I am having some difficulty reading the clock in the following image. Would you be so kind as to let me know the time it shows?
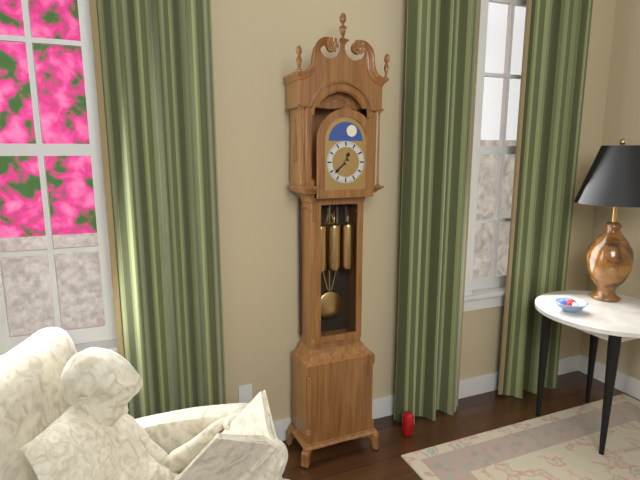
12:38
